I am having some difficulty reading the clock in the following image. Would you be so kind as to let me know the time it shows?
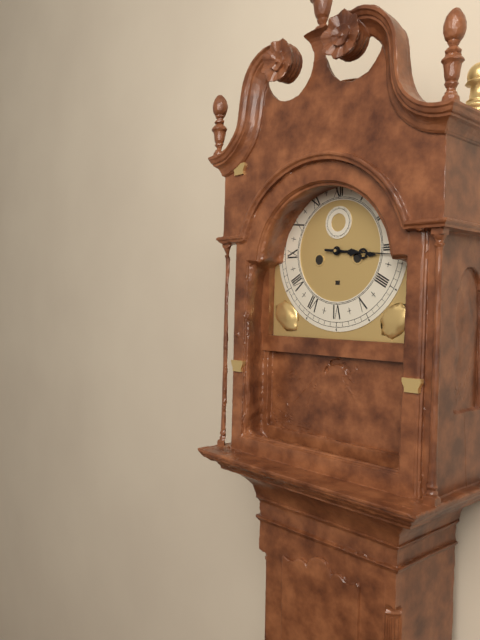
3:16
